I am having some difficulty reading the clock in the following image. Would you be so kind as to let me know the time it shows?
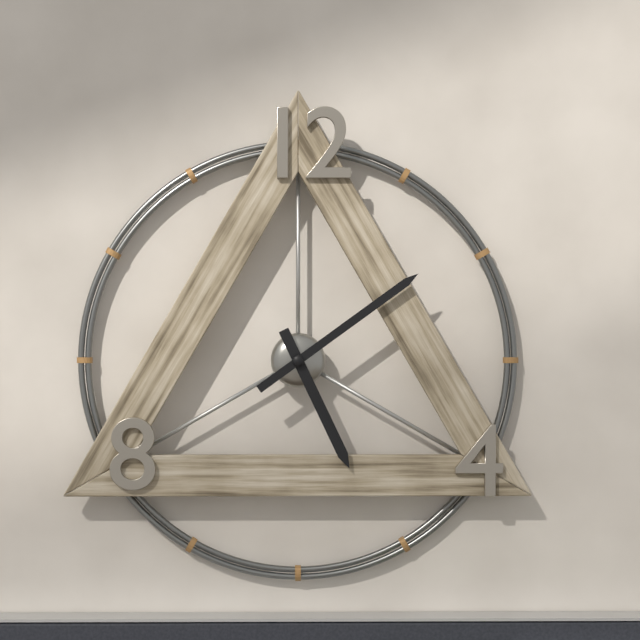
5:09
